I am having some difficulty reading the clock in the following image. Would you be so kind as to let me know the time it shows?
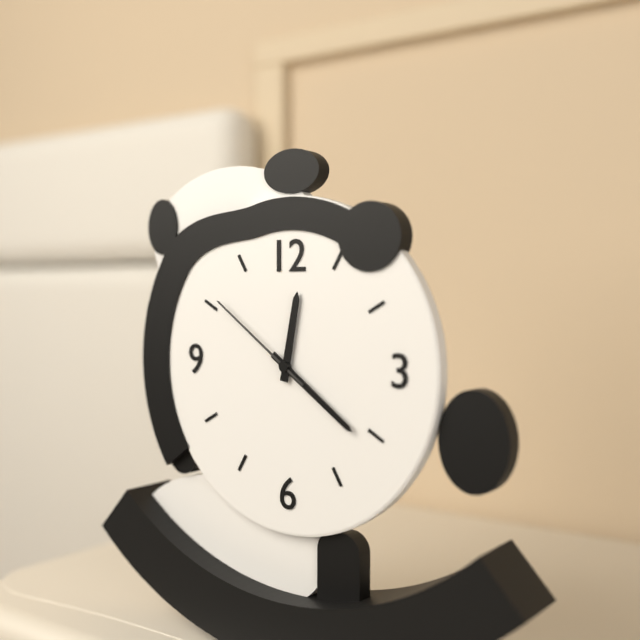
12:21:51
